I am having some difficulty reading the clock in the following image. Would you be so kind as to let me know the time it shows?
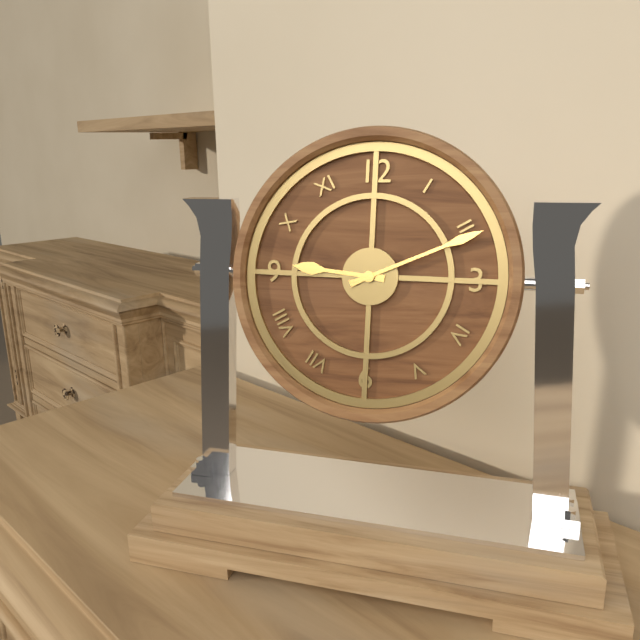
9:11
